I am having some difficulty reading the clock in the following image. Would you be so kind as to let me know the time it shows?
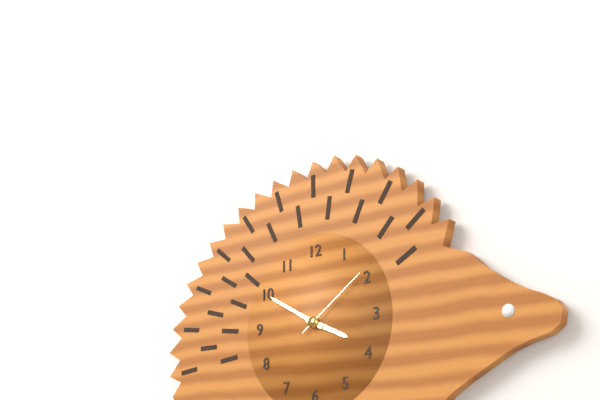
3:50:09
